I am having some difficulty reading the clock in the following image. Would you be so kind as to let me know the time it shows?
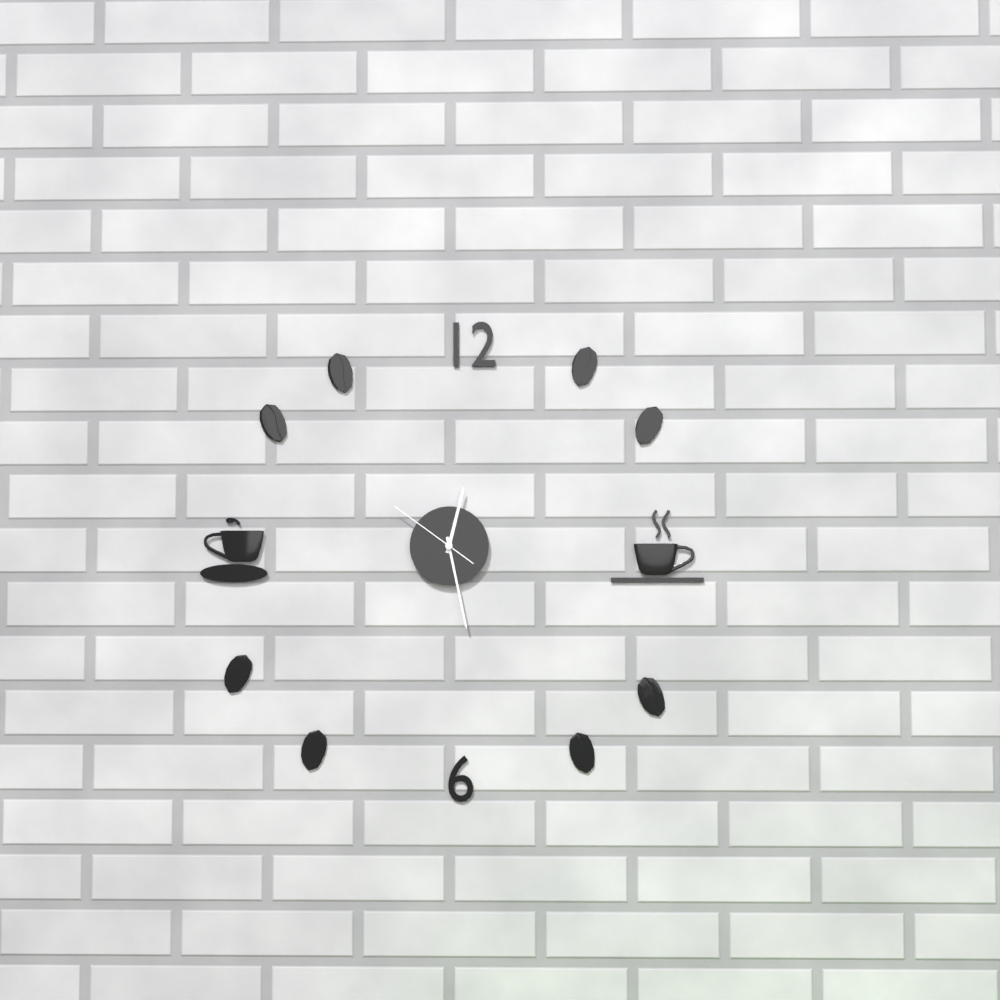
12:28:51
